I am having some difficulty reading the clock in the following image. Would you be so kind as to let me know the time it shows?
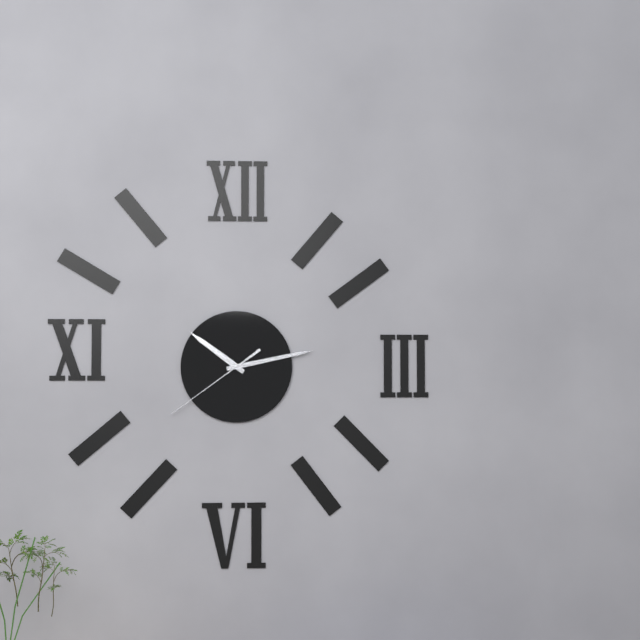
10:13:39
